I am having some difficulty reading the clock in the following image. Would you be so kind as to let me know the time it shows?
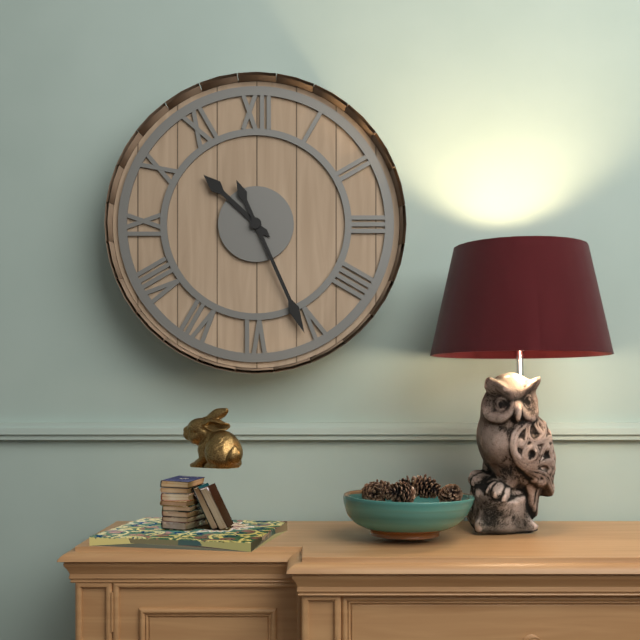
10:26
